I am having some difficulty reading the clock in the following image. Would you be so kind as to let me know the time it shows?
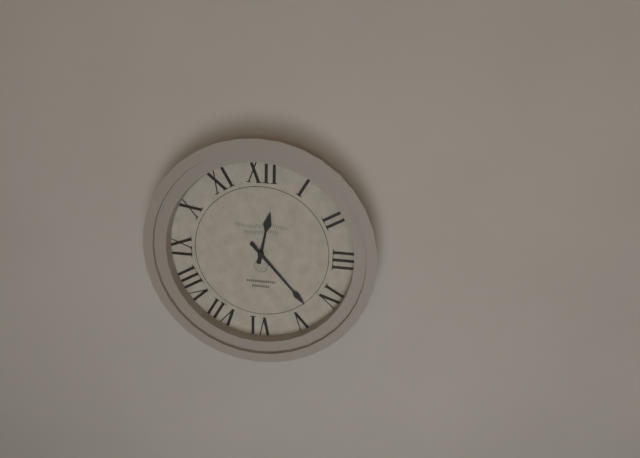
12:23
